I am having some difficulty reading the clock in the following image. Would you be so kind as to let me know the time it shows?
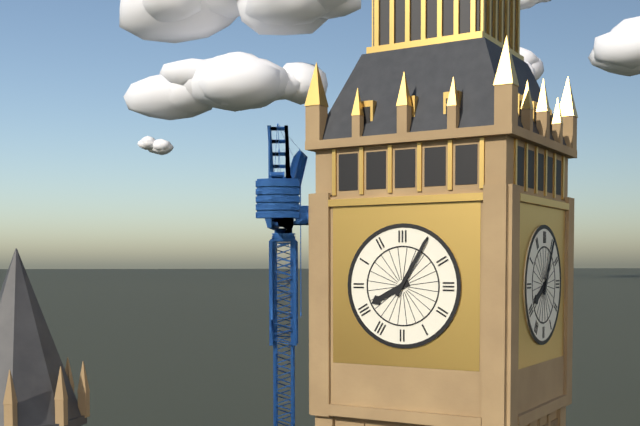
8:05
